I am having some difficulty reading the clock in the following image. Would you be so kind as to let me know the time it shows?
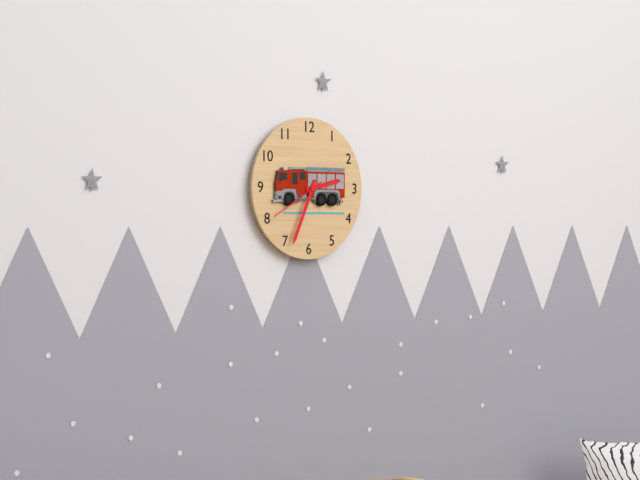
2:34:40
